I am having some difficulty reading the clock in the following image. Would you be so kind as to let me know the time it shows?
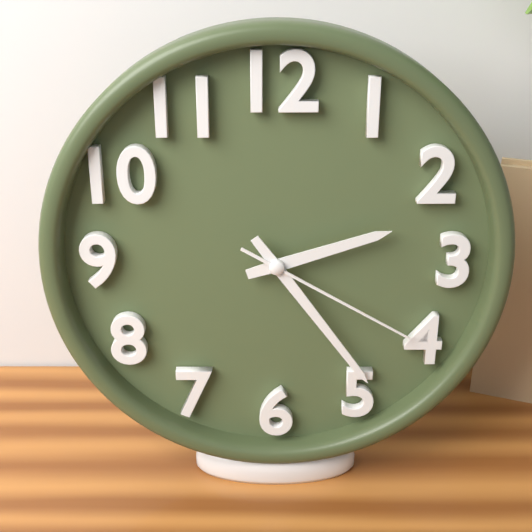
2:24:20
